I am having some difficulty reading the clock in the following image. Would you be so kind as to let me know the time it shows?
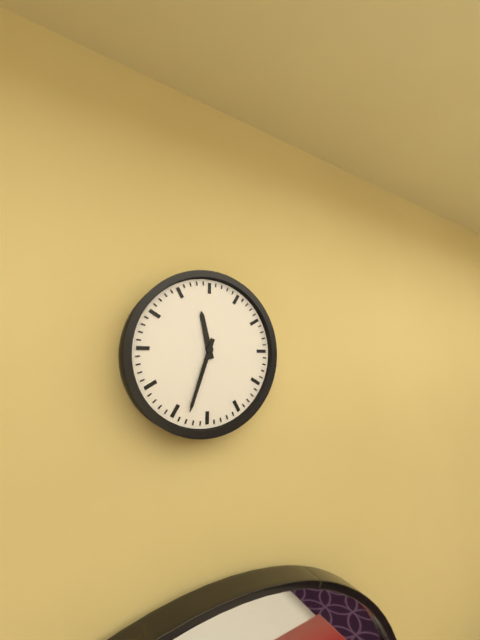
11:33
